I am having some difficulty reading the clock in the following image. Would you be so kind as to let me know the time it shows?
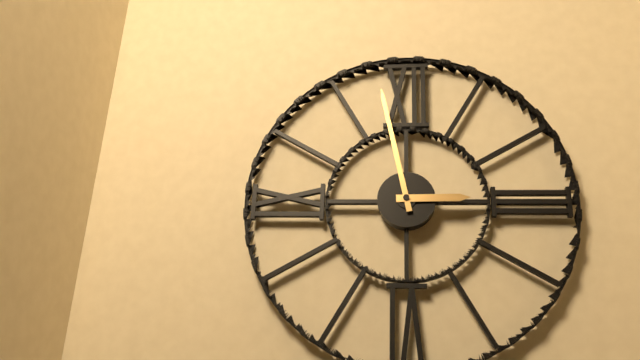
2:58
